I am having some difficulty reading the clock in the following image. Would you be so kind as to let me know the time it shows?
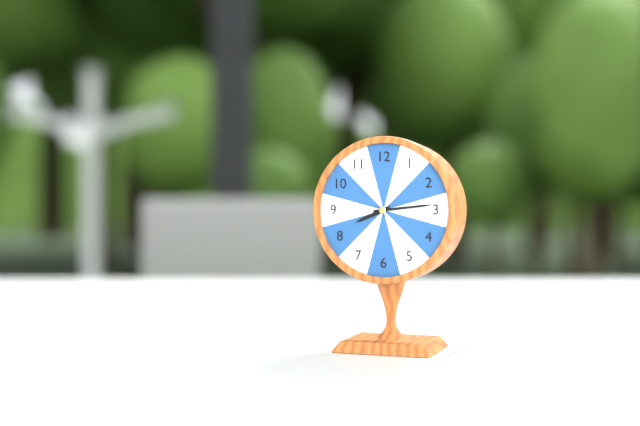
8:14
